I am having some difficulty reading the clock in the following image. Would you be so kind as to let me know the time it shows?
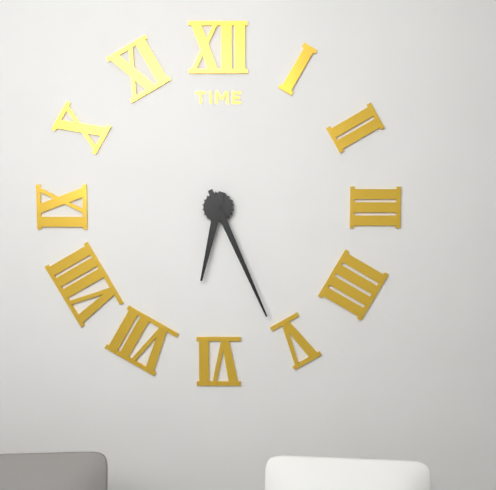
6:26
